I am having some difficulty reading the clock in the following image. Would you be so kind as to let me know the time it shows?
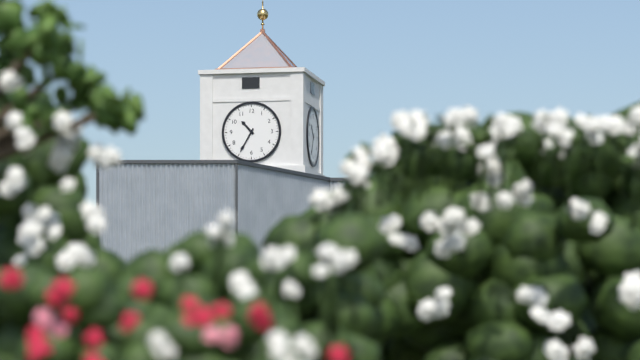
10:35
